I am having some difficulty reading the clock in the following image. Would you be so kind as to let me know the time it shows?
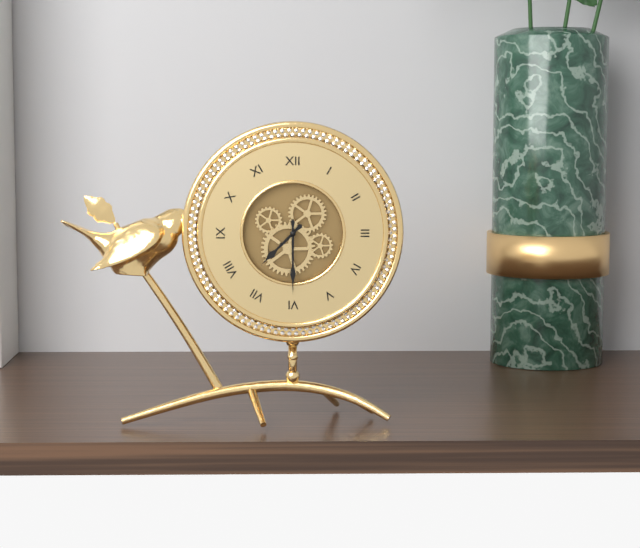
7:30
